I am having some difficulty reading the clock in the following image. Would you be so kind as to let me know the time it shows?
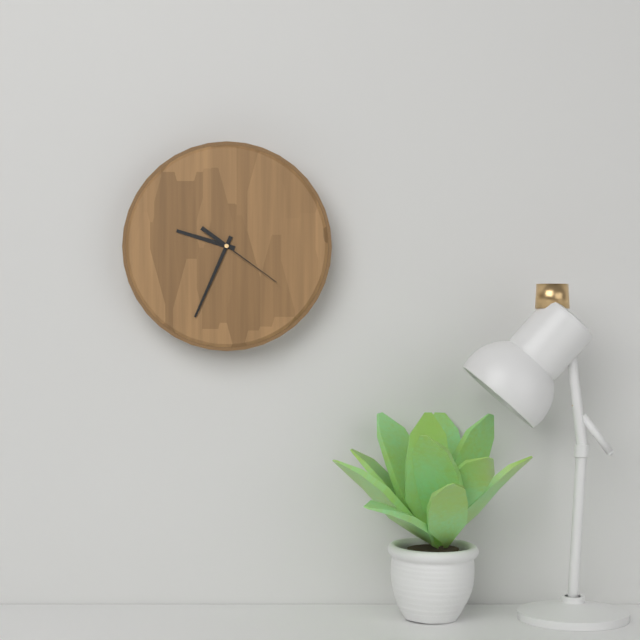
9:34:21
